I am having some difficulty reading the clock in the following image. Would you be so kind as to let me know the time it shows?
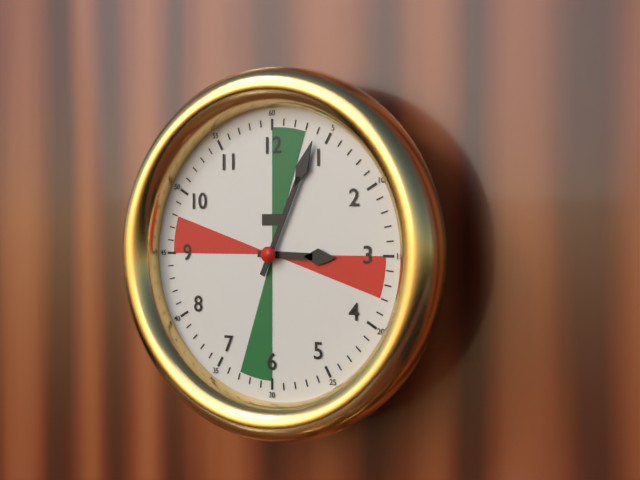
3:04
